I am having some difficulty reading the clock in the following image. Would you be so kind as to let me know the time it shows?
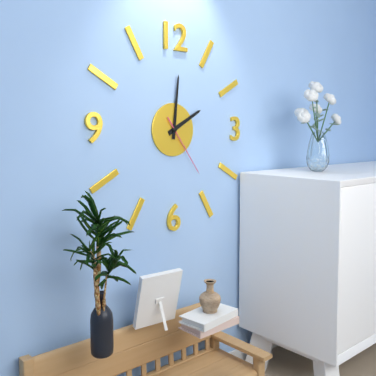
2:01:24
